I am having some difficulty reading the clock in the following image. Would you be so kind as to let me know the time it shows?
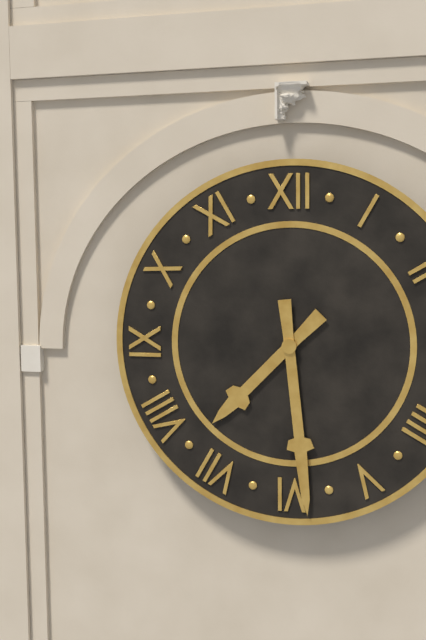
7:29
